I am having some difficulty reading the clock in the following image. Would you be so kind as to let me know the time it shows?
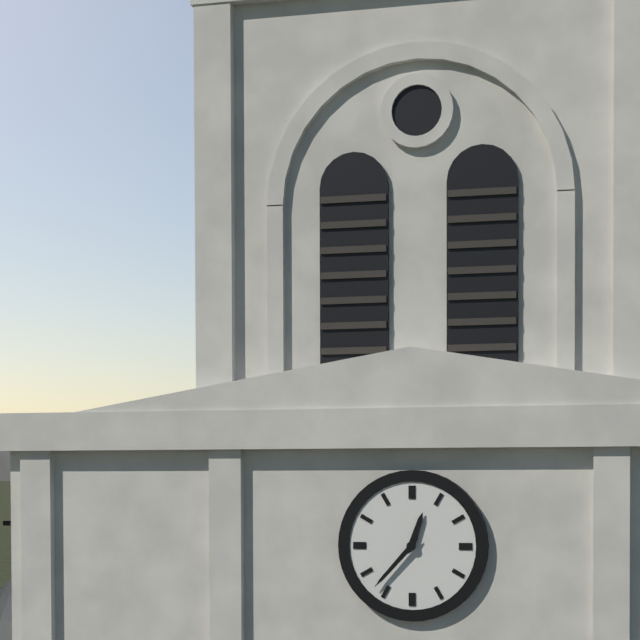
12:37
